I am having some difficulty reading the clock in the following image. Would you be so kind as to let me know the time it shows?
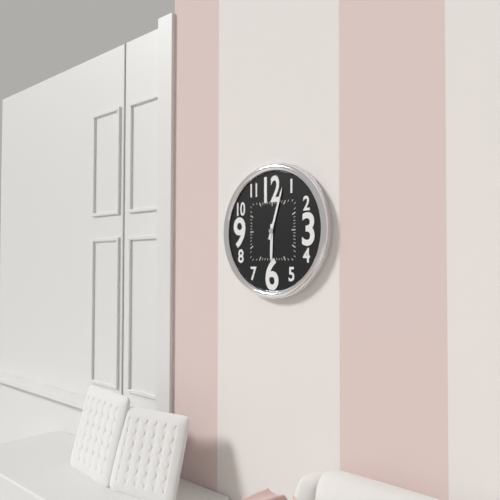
6:03
